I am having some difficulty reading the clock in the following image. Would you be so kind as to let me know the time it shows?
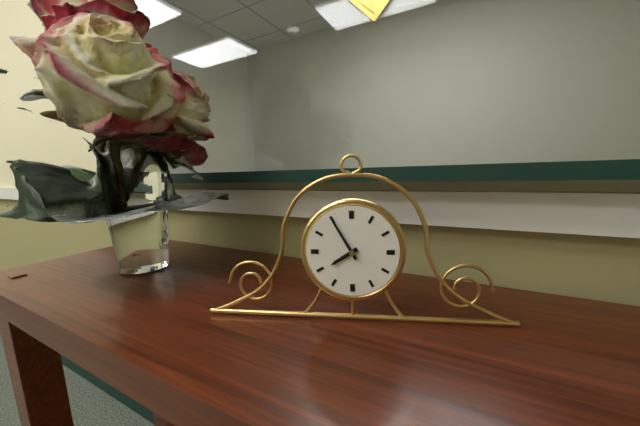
7:55
